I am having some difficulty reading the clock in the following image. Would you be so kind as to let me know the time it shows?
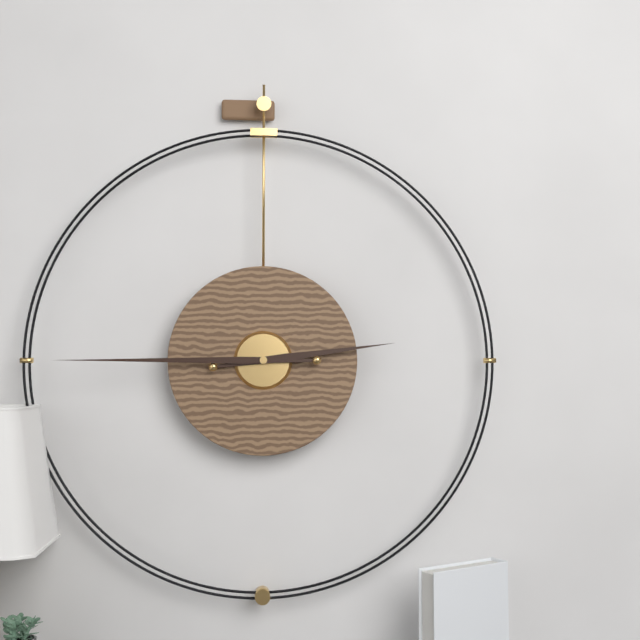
2:45
